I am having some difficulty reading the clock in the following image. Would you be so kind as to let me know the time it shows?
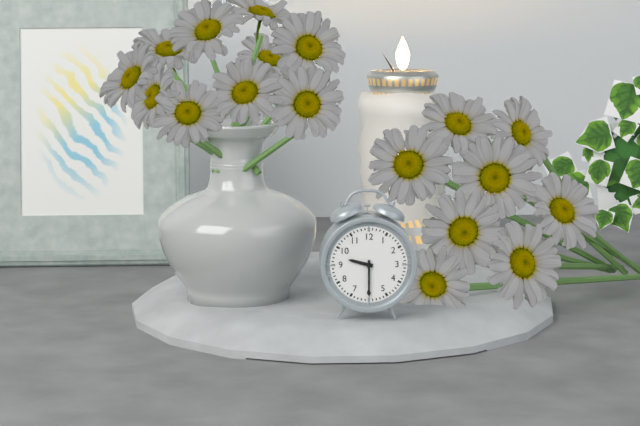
9:30
